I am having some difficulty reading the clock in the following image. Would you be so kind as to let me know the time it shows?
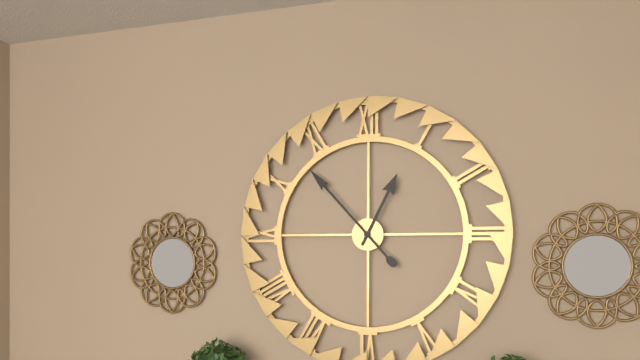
12:53
